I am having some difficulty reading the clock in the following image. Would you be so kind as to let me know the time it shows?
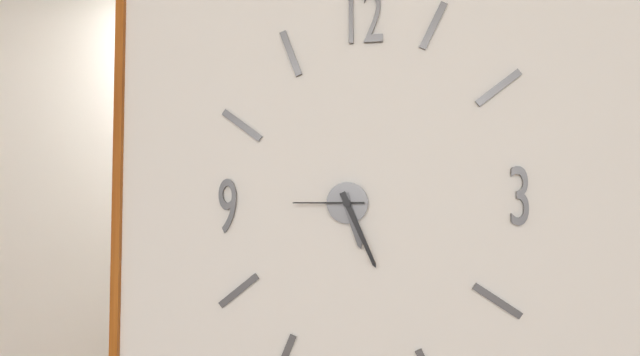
5:26:45
